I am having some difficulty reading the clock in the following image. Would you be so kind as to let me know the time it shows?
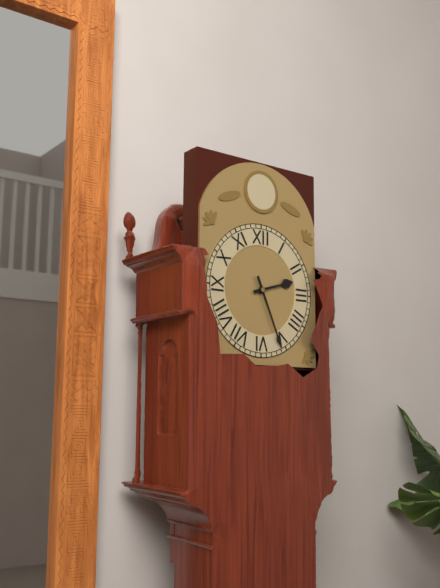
2:26
